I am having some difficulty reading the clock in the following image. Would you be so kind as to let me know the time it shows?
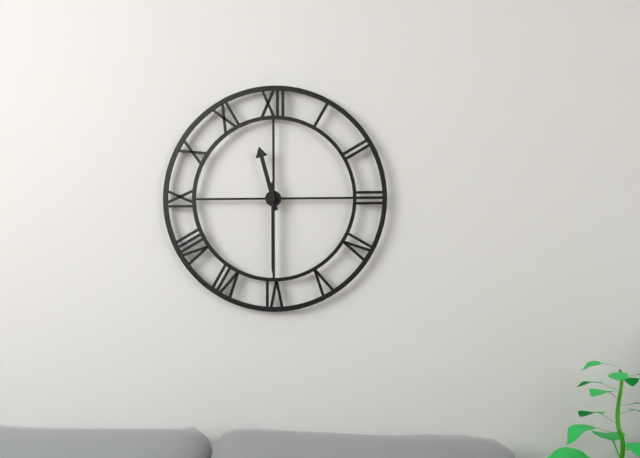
11:30
